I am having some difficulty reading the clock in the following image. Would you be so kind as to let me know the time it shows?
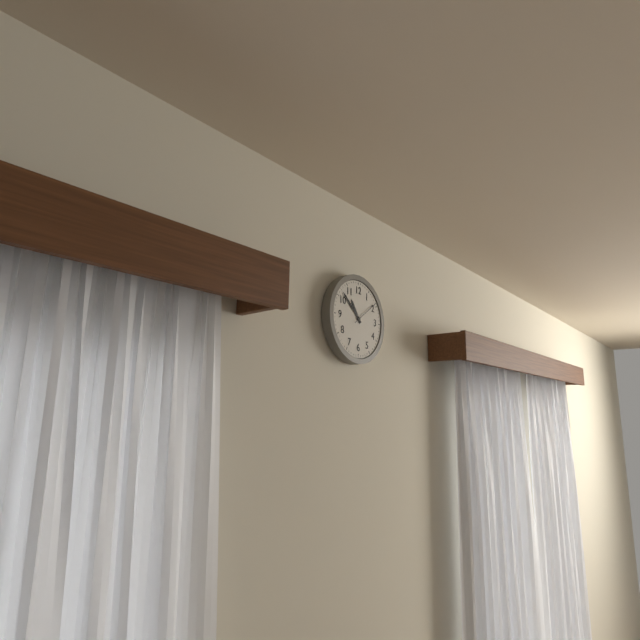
10:52
